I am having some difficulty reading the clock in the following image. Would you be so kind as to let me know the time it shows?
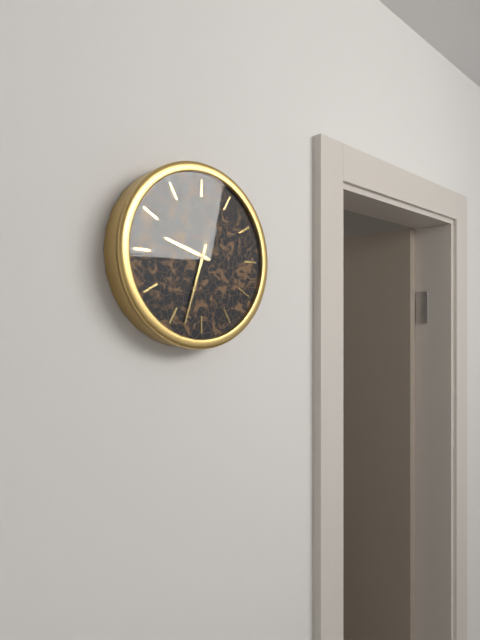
9:33
